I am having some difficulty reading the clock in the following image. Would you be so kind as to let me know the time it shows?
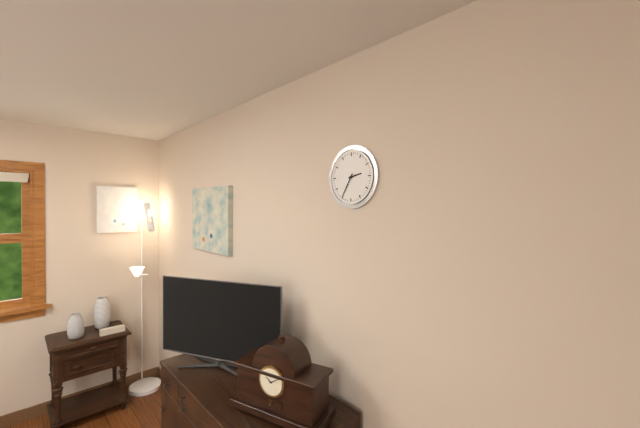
2:35
